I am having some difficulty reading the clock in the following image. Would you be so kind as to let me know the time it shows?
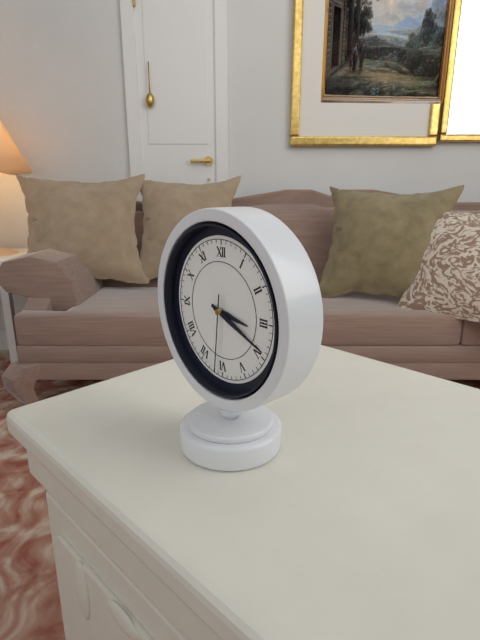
3:19:31
